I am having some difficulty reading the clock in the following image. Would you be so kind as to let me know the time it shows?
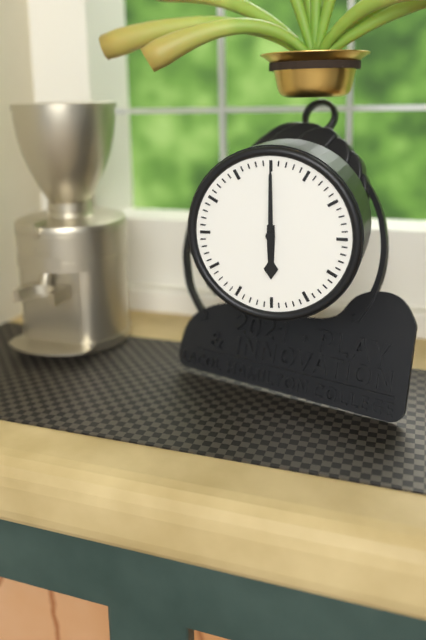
6:00
